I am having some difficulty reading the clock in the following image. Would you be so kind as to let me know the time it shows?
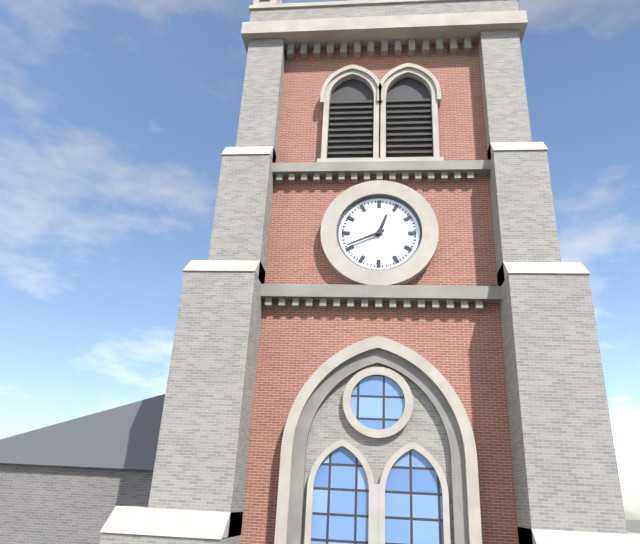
12:41
